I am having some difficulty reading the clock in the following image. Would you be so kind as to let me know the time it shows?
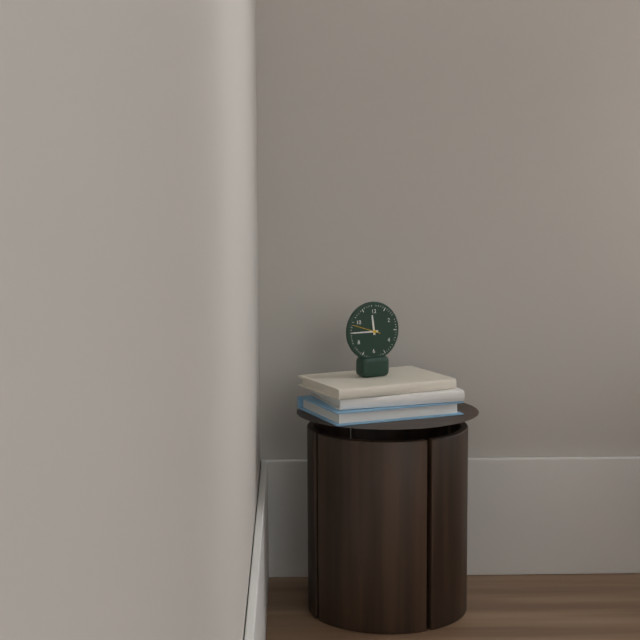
11:45
